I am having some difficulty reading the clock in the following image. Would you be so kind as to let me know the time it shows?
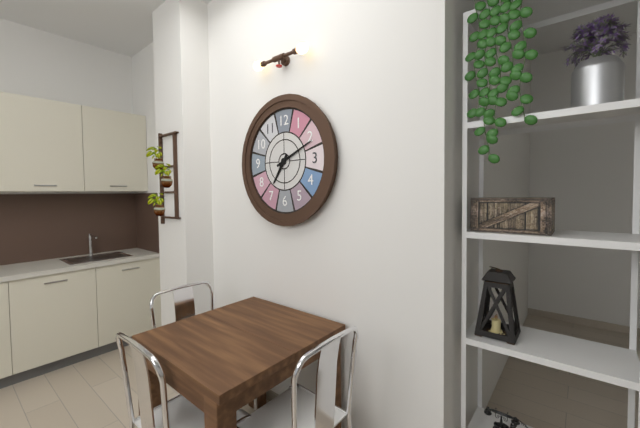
7:11
